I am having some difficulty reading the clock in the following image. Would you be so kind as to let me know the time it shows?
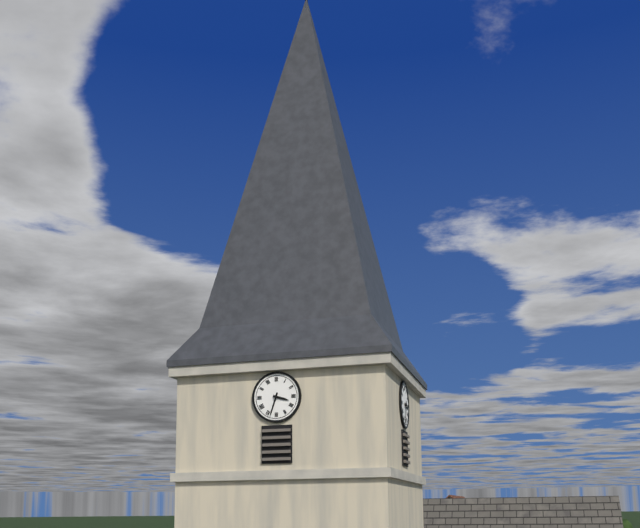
3:33
